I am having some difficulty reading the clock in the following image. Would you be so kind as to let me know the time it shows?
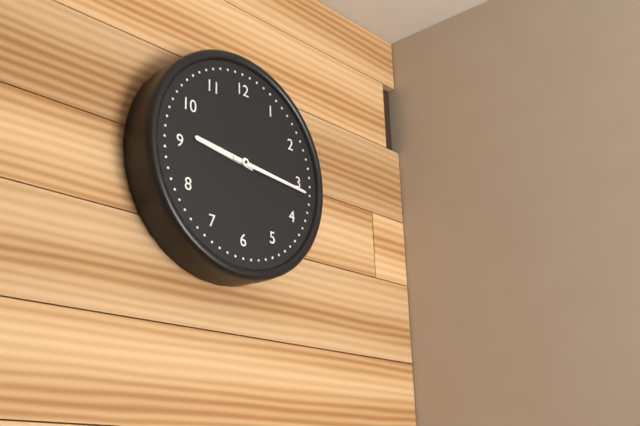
9:16
